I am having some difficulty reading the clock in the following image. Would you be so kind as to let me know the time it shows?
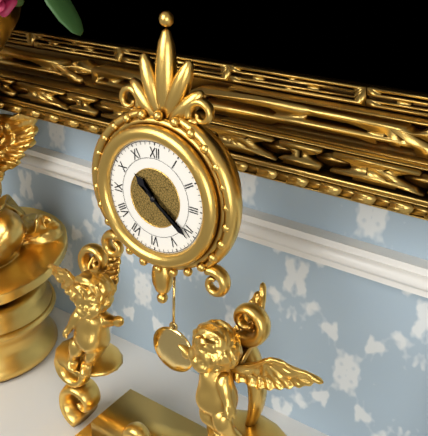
10:21
